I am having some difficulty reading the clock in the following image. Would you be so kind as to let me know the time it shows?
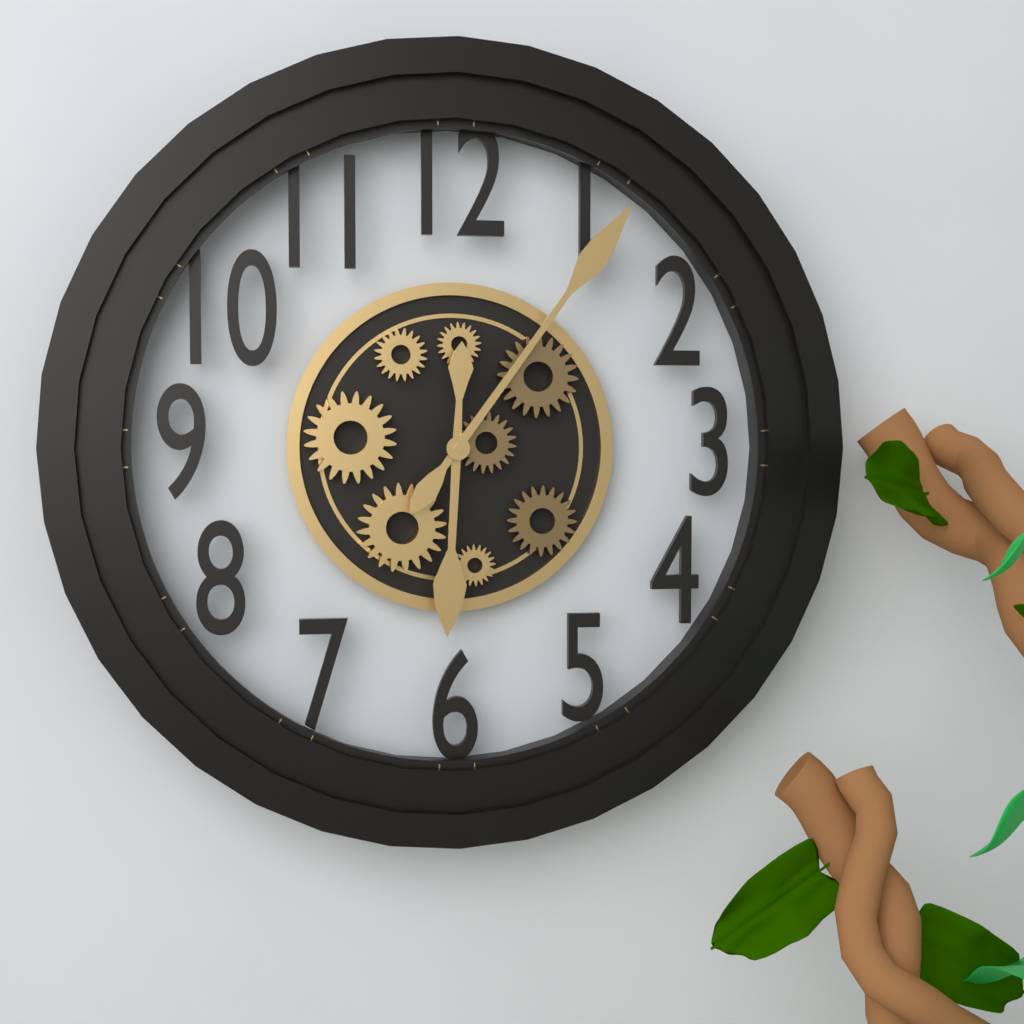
6:06
